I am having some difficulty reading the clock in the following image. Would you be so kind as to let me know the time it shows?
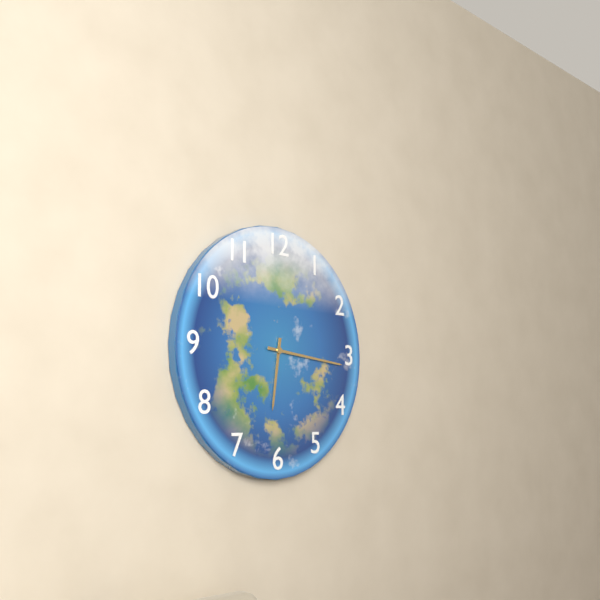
6:16
